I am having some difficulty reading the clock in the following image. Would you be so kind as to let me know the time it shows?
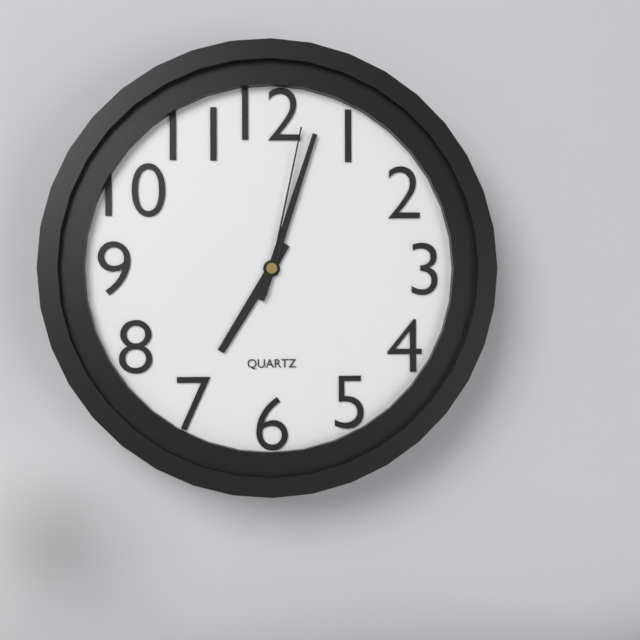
7:03:02
